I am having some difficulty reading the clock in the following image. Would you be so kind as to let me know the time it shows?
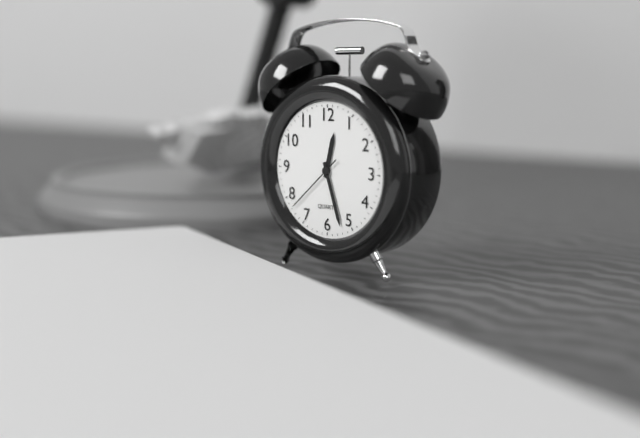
12:27:38
